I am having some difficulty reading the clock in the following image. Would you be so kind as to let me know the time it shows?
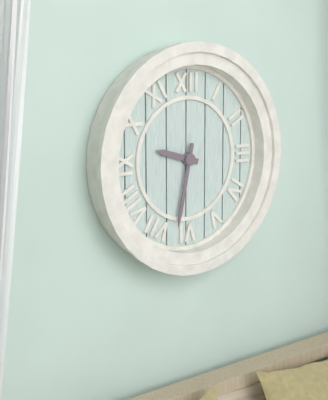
9:32
